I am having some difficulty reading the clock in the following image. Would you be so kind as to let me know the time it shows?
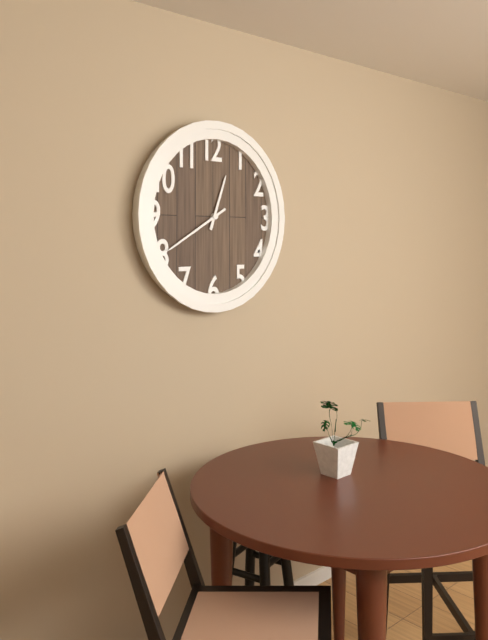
12:40
